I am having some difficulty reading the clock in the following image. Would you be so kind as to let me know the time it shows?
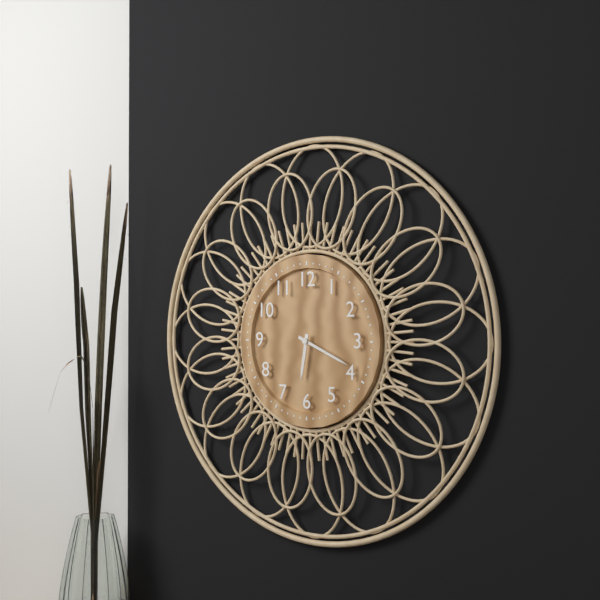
6:19
